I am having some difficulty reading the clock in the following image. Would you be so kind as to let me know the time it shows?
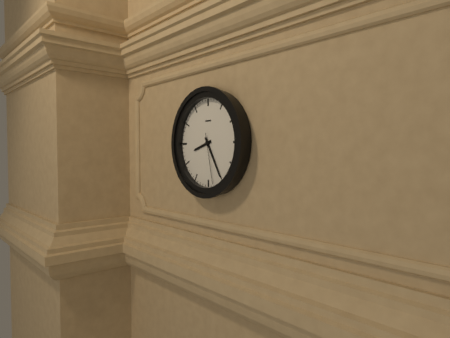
8:25:28
